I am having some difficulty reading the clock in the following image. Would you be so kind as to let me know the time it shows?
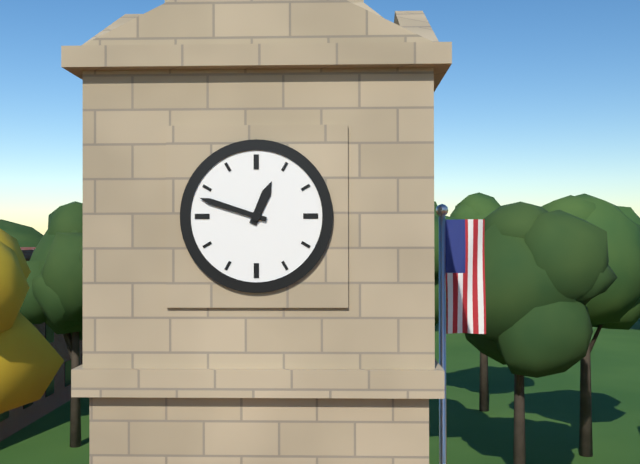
12:48
